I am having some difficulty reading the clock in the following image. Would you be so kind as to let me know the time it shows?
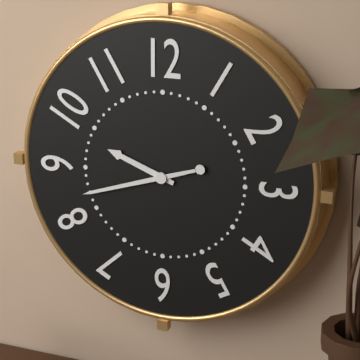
9:42
